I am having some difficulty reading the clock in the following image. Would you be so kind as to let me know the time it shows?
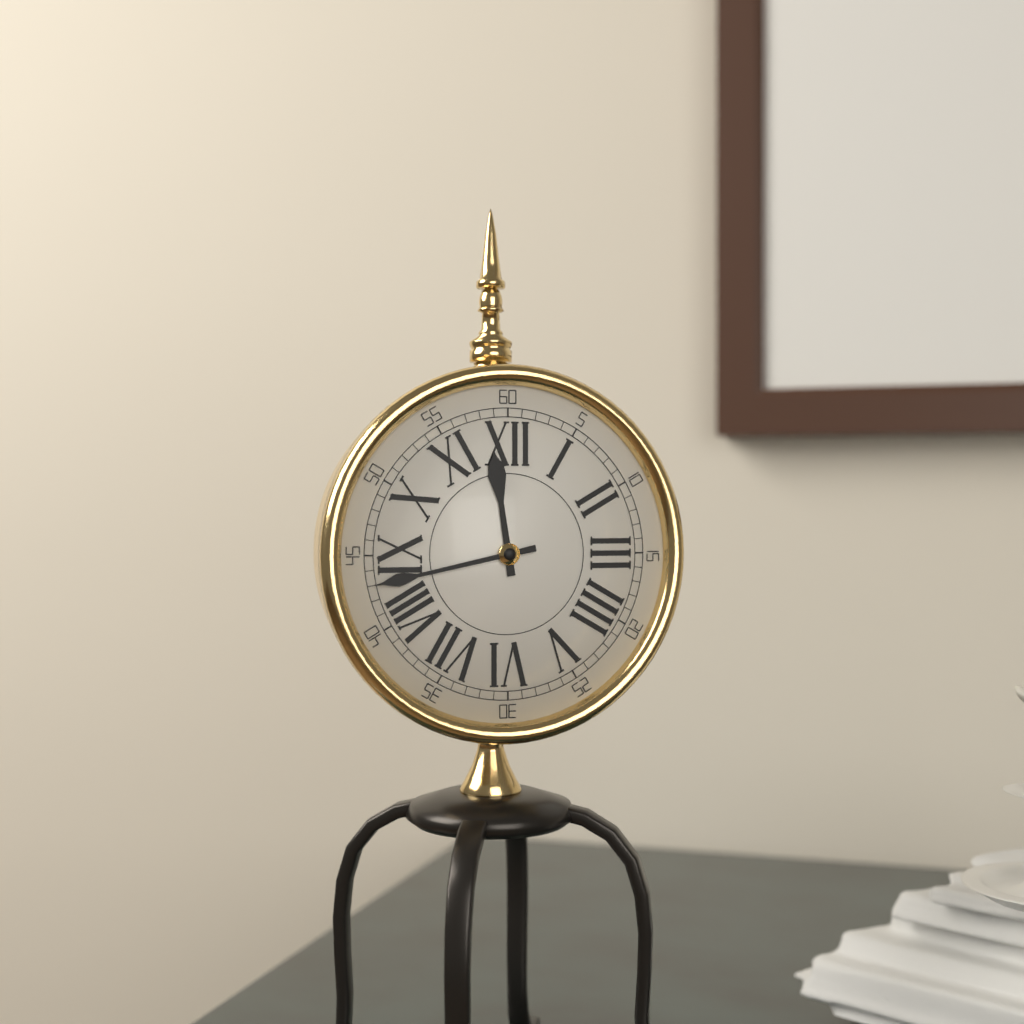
11:43
